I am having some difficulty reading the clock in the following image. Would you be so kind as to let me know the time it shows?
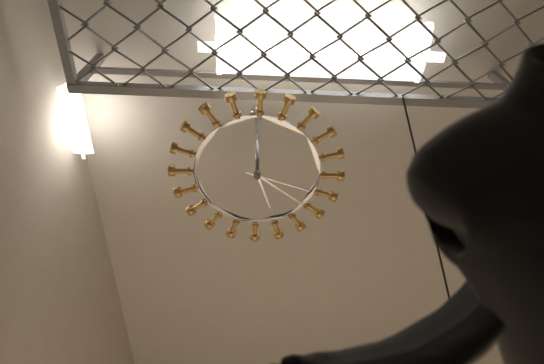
5:21:18
